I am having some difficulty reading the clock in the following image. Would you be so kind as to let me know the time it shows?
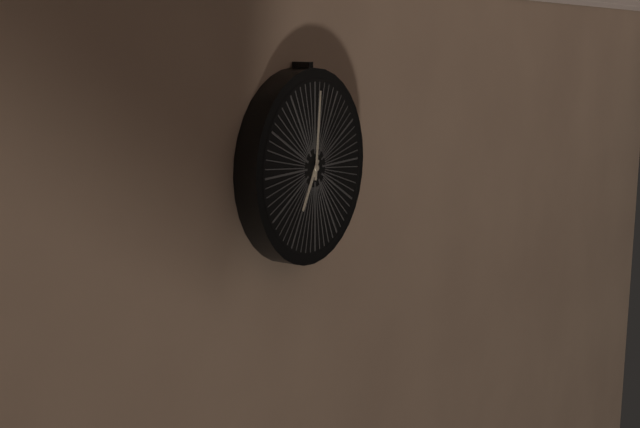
7:01
